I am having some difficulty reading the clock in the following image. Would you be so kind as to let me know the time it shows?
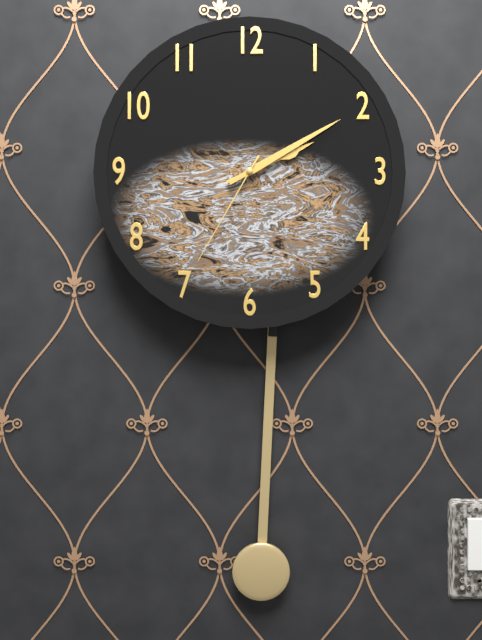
2:10:35
